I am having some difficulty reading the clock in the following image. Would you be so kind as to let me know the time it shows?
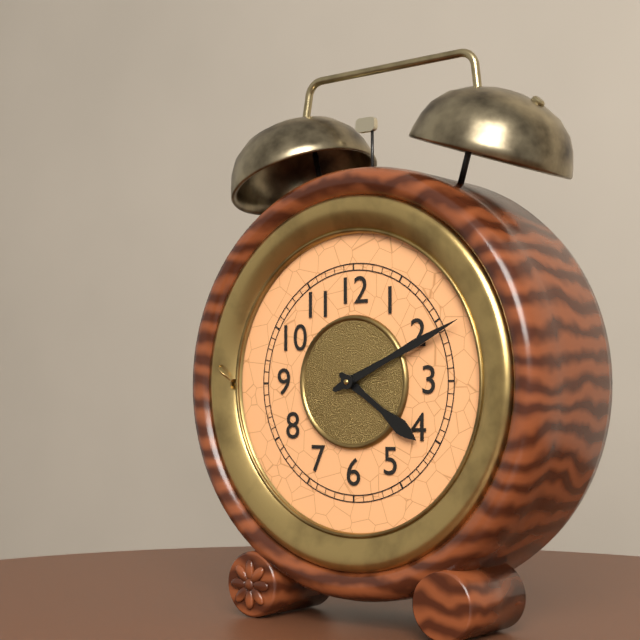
4:11
